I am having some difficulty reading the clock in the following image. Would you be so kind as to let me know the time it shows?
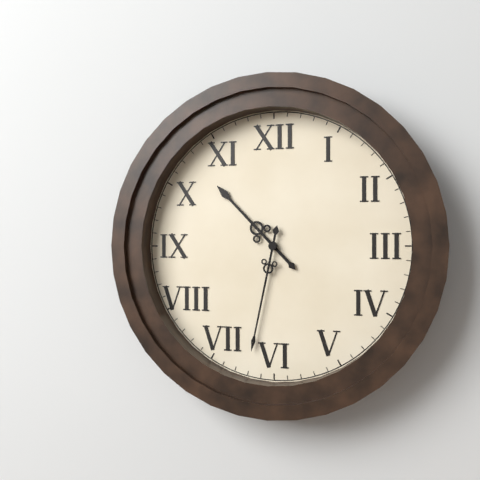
10:32
